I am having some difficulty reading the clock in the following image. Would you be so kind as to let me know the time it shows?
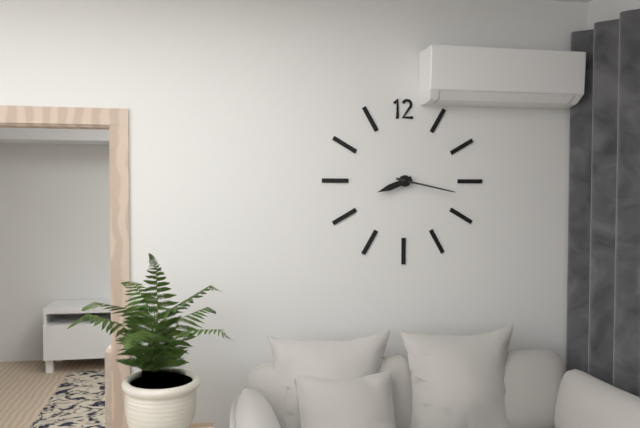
8:17
